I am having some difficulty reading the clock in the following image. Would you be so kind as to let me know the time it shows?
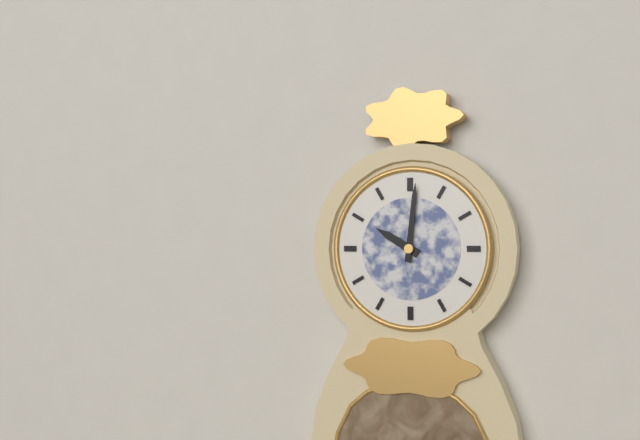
10:01
